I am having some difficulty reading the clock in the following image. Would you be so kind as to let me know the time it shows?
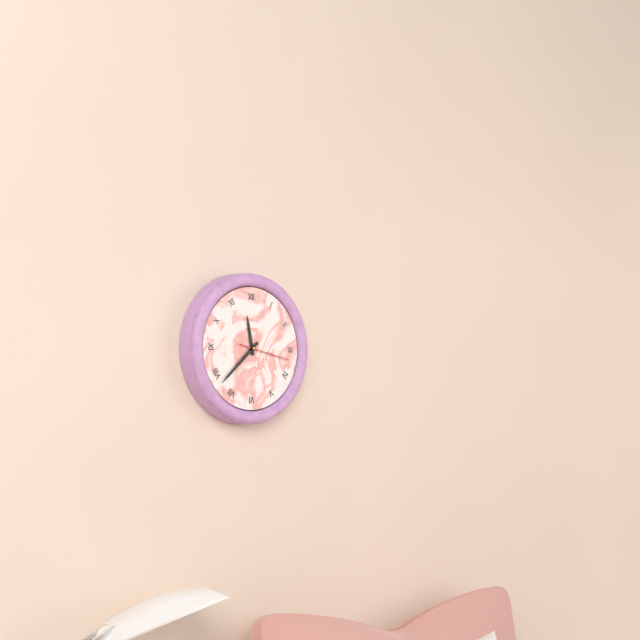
11:38
